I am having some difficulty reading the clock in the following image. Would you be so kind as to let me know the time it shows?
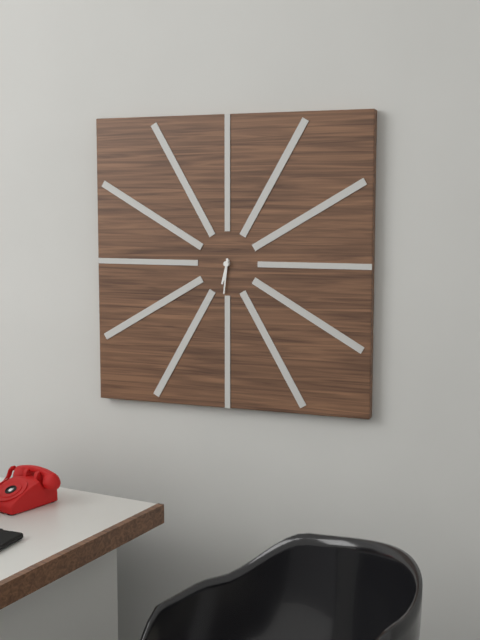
6:31
